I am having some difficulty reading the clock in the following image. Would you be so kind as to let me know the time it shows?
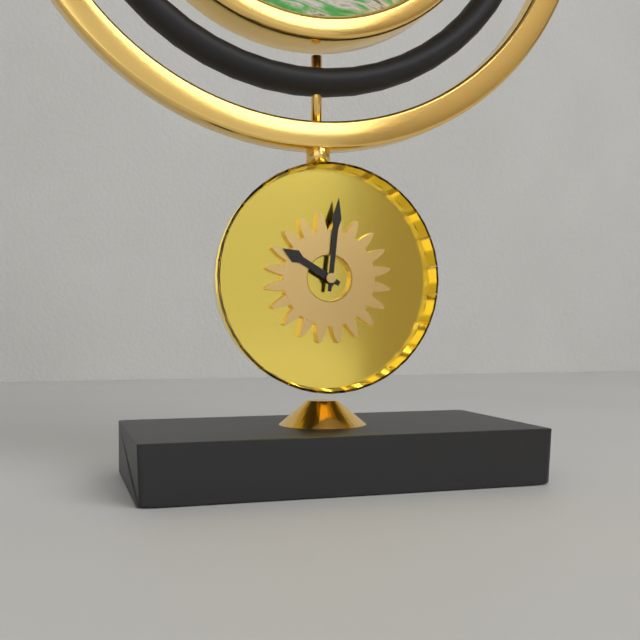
10:01
